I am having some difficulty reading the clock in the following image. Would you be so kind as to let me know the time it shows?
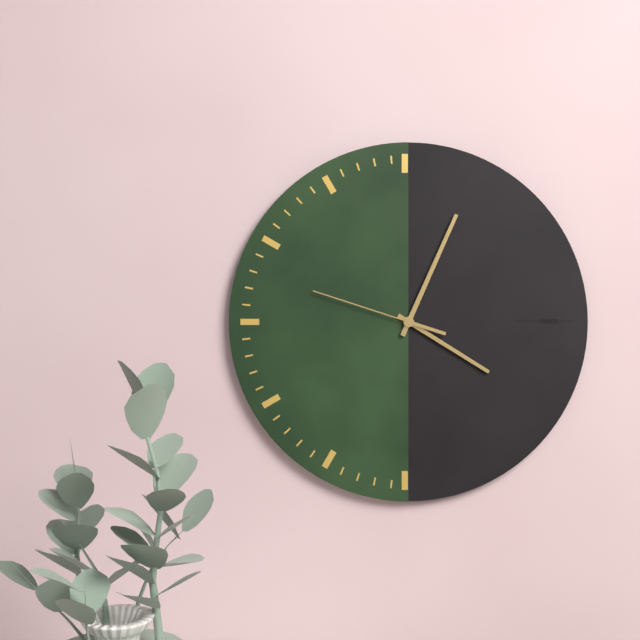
4:04:48
